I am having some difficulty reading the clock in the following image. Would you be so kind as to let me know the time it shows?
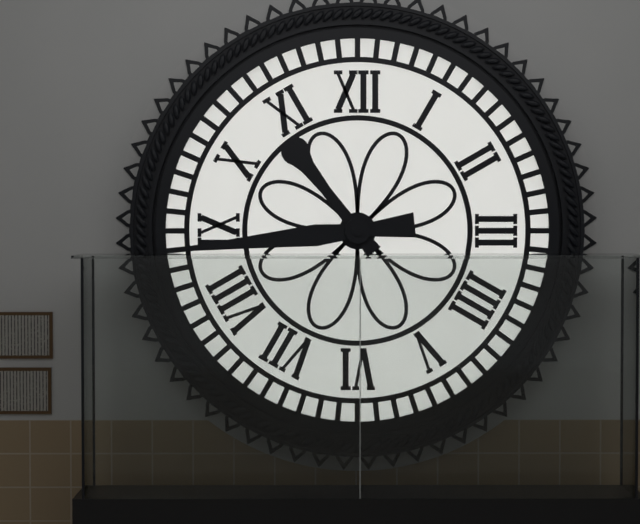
10:44
